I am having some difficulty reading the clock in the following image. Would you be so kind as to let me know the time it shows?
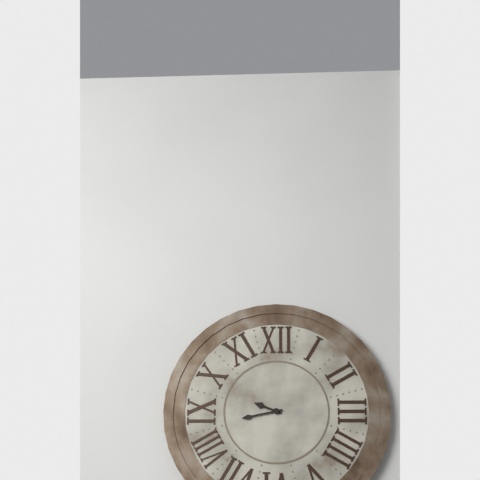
9:43
